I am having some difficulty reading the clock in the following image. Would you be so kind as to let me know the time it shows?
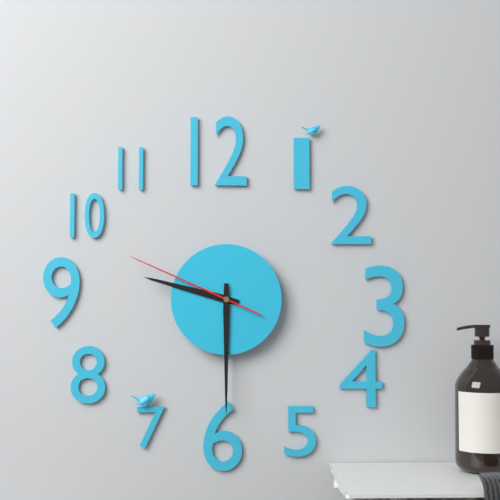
9:30:49
